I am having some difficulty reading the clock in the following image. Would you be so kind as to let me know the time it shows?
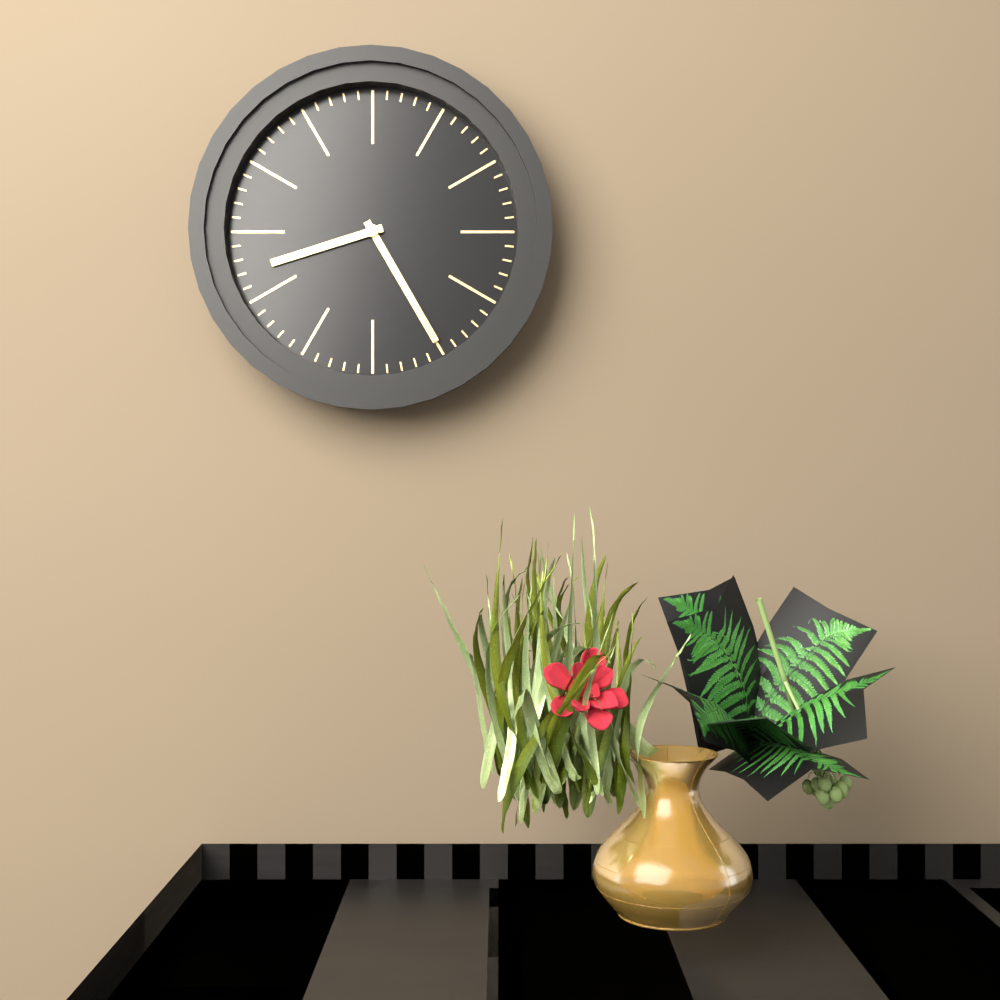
8:25
